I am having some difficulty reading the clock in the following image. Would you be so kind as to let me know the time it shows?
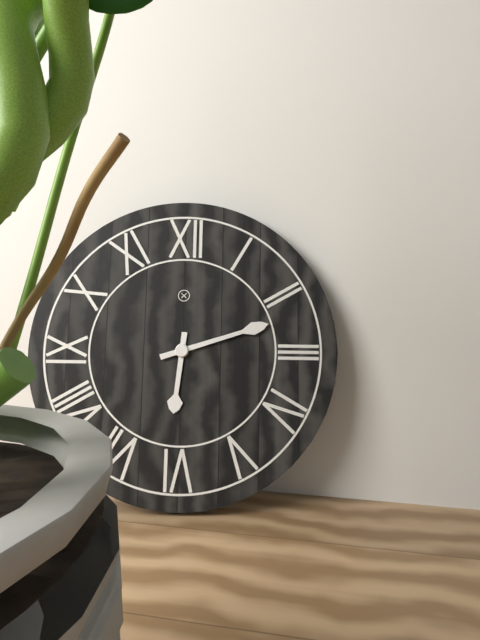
6:12
